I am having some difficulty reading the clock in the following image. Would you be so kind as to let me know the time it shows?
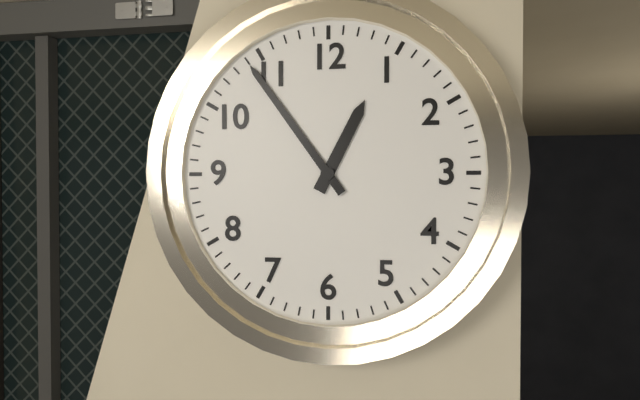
12:54
